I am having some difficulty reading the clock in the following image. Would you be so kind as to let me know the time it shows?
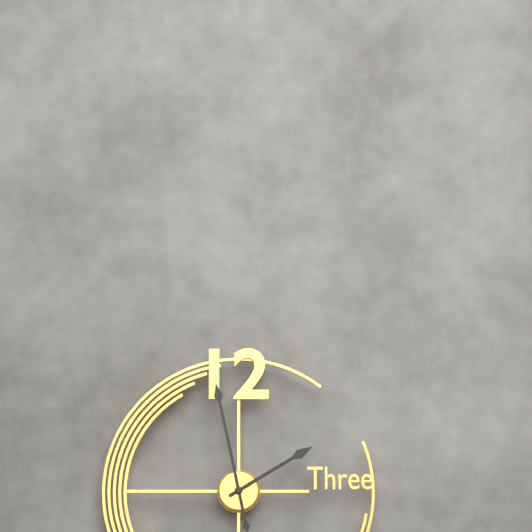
1:58
